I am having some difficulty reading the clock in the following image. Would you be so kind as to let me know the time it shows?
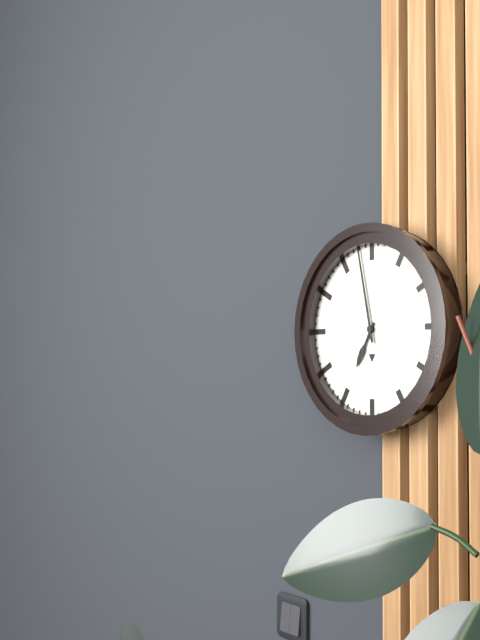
6:58
